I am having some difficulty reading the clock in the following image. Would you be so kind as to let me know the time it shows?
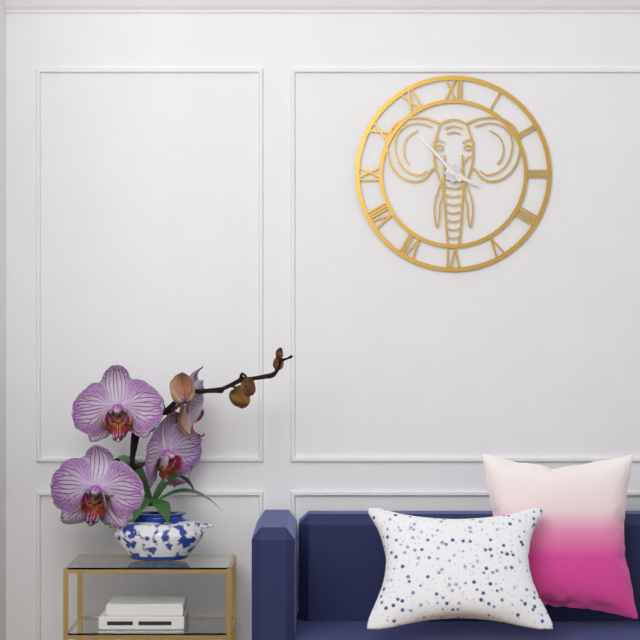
3:53
